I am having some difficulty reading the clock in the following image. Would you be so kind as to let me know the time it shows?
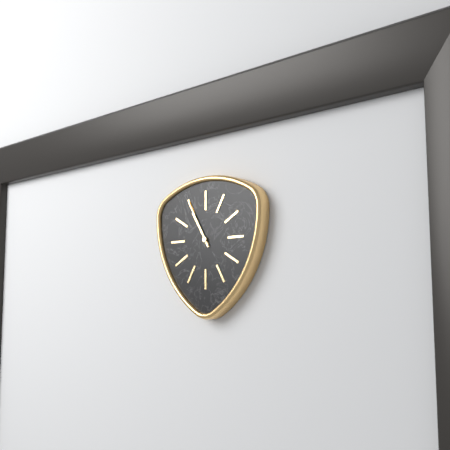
10:55
